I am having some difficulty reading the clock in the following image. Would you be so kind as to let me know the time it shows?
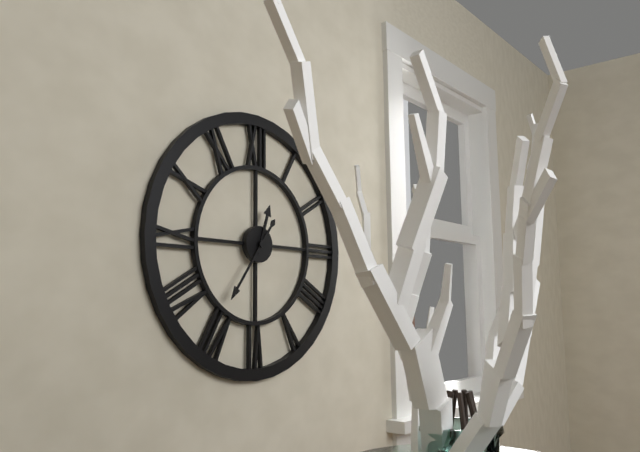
12:36
